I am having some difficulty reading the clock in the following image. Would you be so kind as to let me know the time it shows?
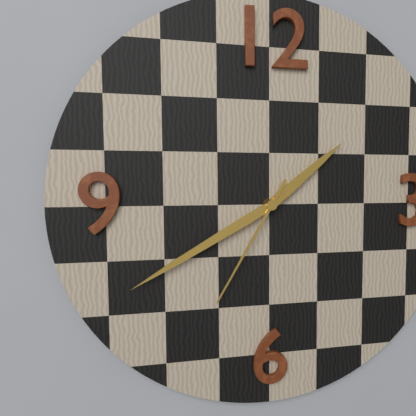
1:40:35
